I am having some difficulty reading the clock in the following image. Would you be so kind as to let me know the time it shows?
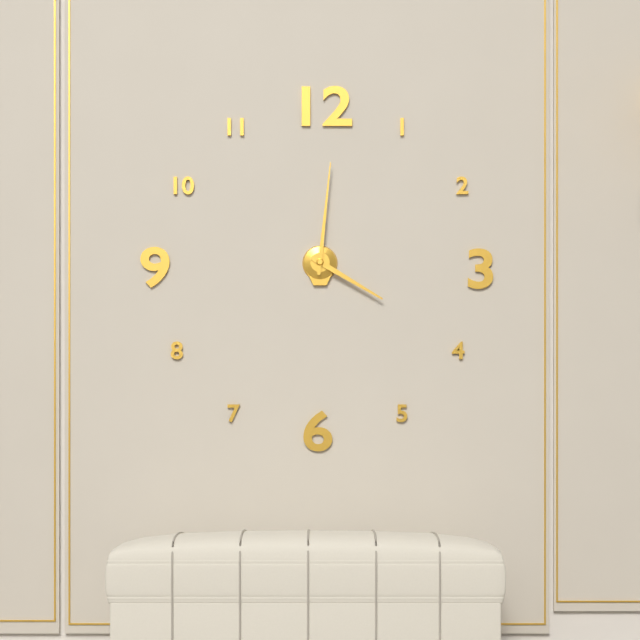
4:01
